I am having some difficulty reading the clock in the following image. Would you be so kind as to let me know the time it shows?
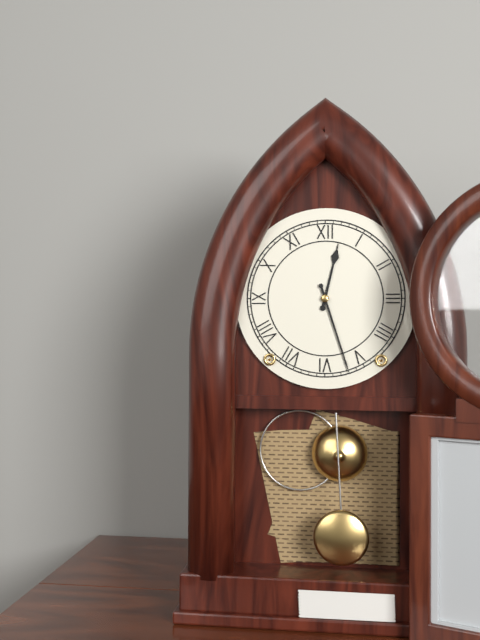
12:27
